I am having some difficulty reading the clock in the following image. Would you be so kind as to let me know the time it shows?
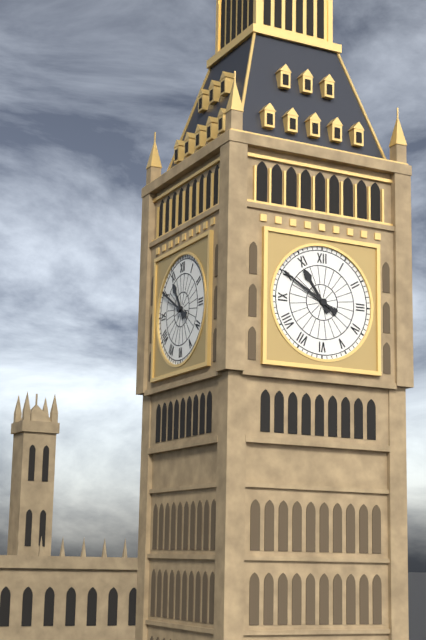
10:50
